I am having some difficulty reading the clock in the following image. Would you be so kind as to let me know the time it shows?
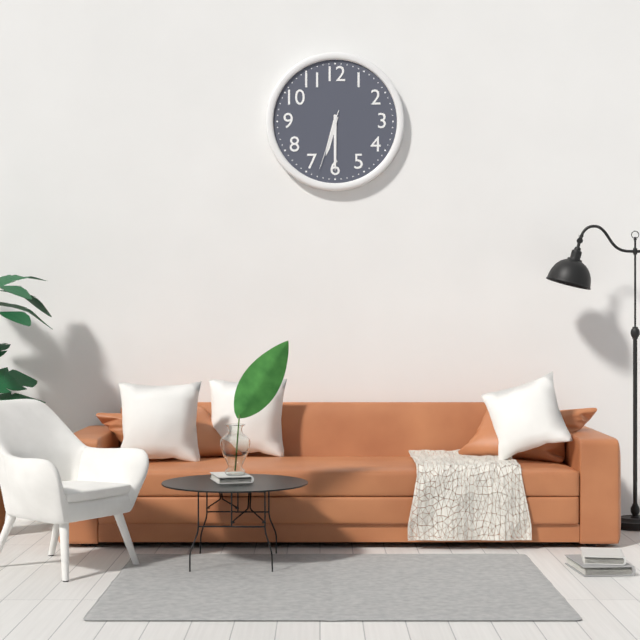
6:30:33
